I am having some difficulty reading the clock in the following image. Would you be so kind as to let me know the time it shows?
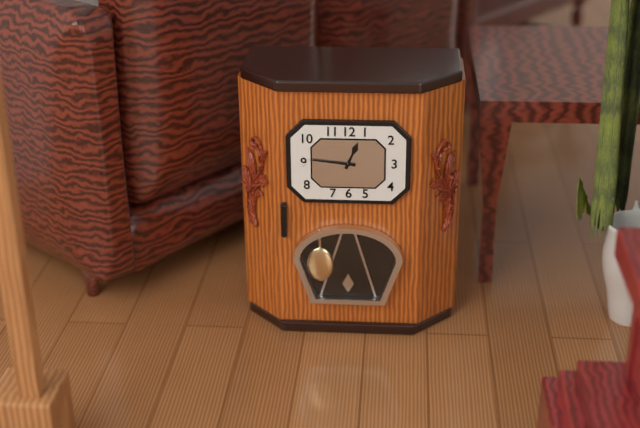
12:46
